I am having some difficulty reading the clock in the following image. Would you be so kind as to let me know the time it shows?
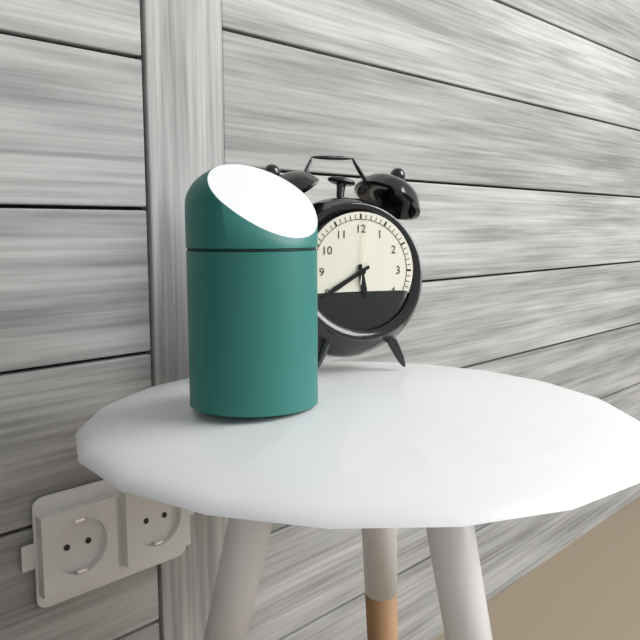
5:40:01
